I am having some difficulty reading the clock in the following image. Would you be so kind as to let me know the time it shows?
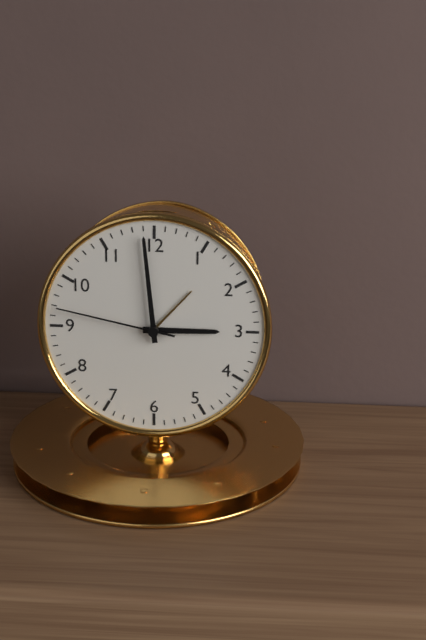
2:59:47
